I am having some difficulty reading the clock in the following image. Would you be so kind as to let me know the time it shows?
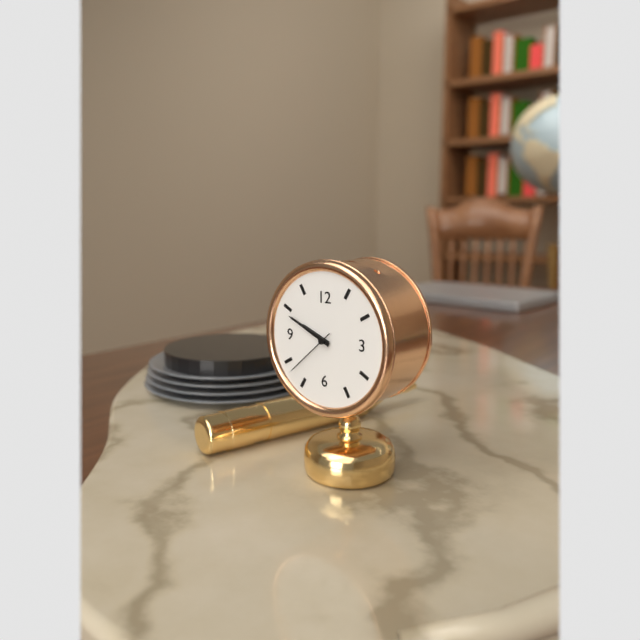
9:49:38
